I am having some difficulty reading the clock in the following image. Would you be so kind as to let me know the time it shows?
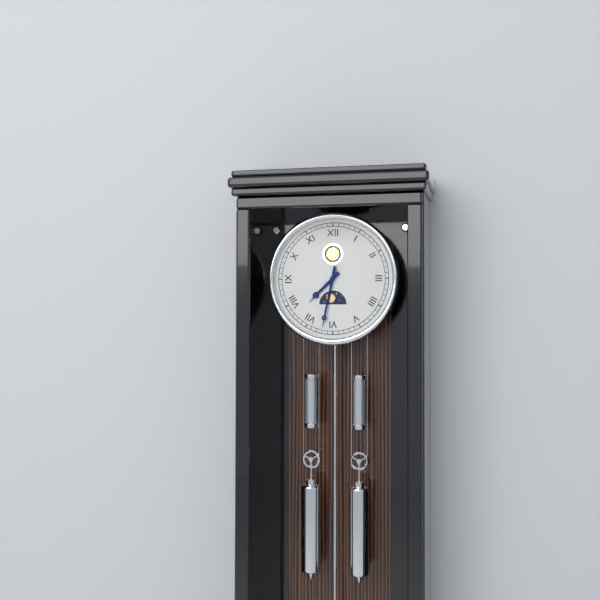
7:32
